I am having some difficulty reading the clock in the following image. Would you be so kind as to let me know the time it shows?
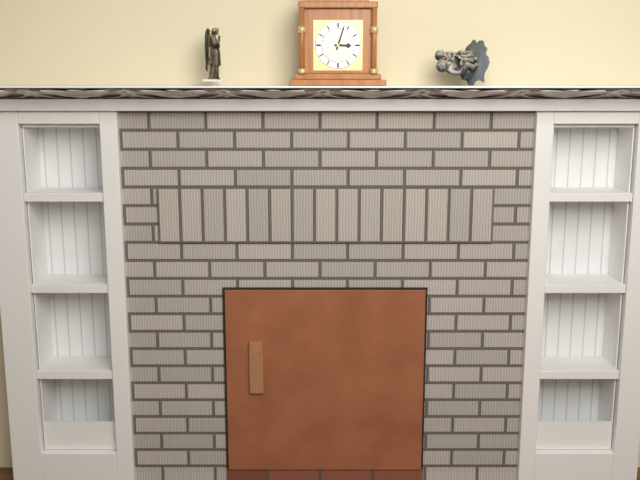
3:03
